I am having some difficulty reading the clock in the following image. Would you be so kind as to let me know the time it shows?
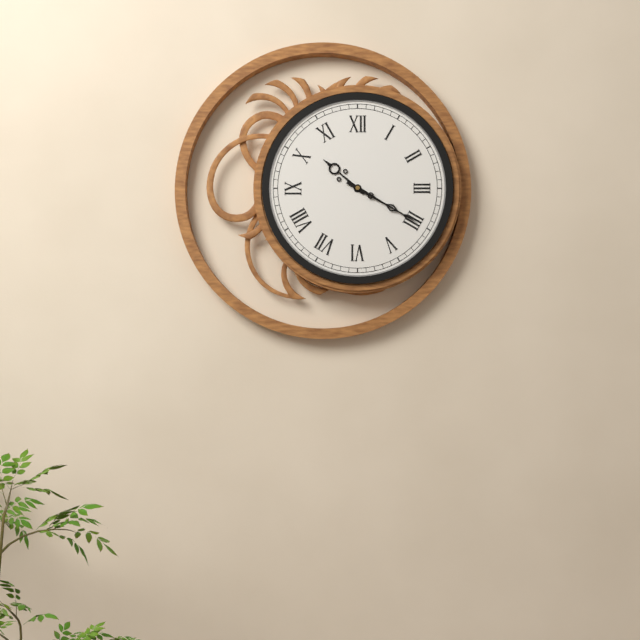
10:20
